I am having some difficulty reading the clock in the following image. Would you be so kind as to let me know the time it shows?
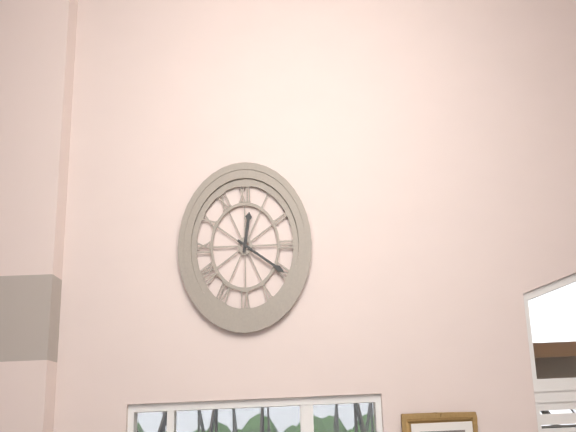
12:20
